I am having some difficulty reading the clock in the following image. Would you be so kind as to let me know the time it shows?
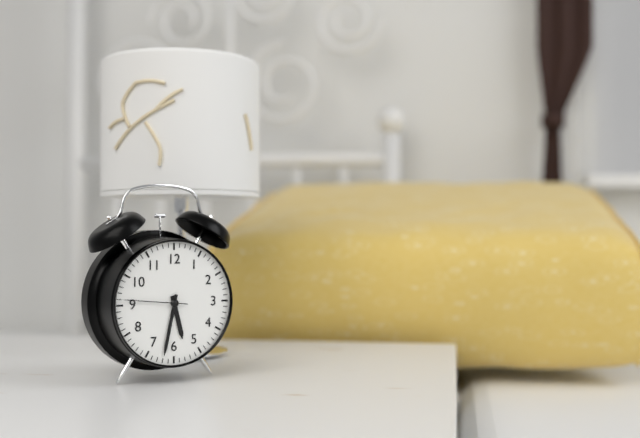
5:32:46
